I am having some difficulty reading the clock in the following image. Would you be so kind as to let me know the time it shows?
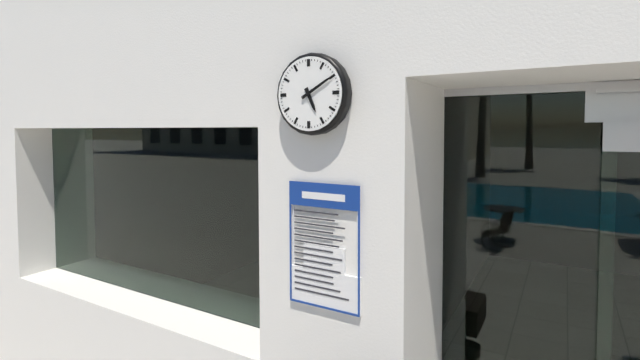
5:10
